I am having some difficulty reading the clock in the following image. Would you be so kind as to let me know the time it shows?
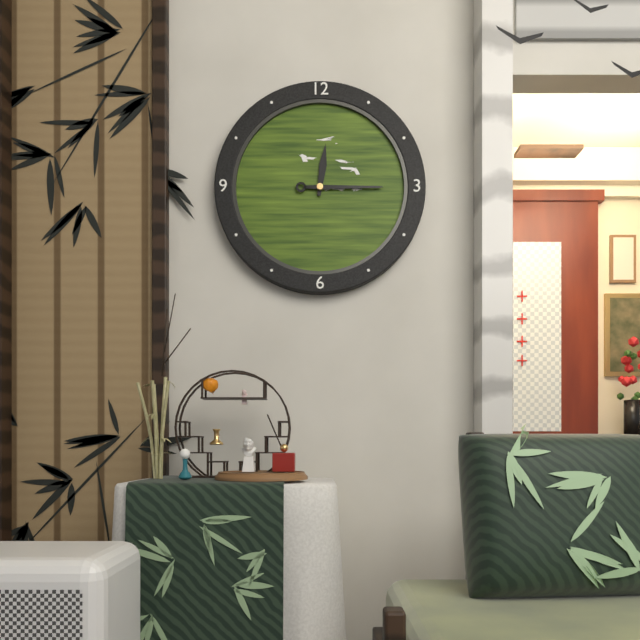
12:15
